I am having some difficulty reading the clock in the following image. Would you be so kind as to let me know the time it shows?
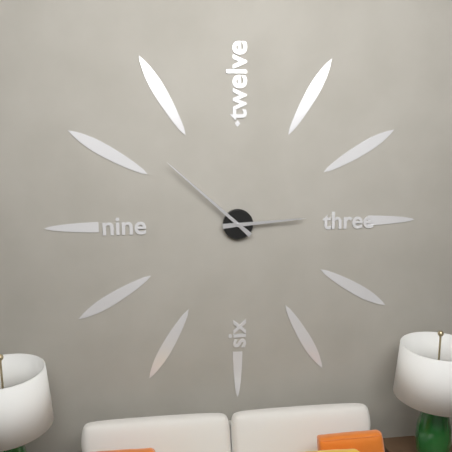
2:52
